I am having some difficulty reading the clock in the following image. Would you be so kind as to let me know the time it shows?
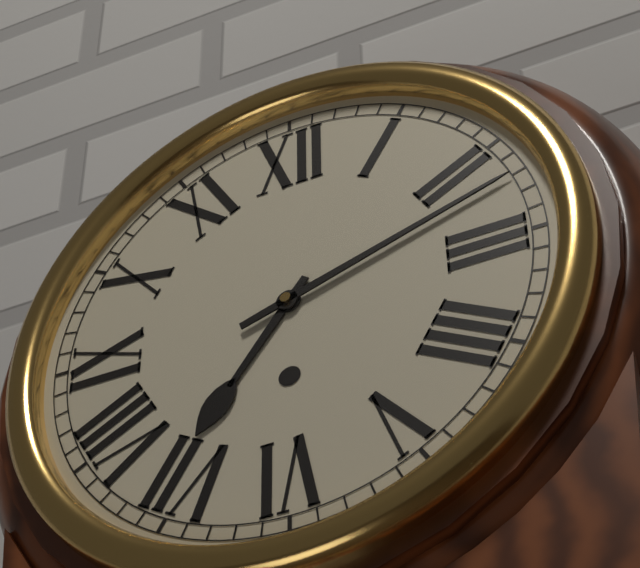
7:12
